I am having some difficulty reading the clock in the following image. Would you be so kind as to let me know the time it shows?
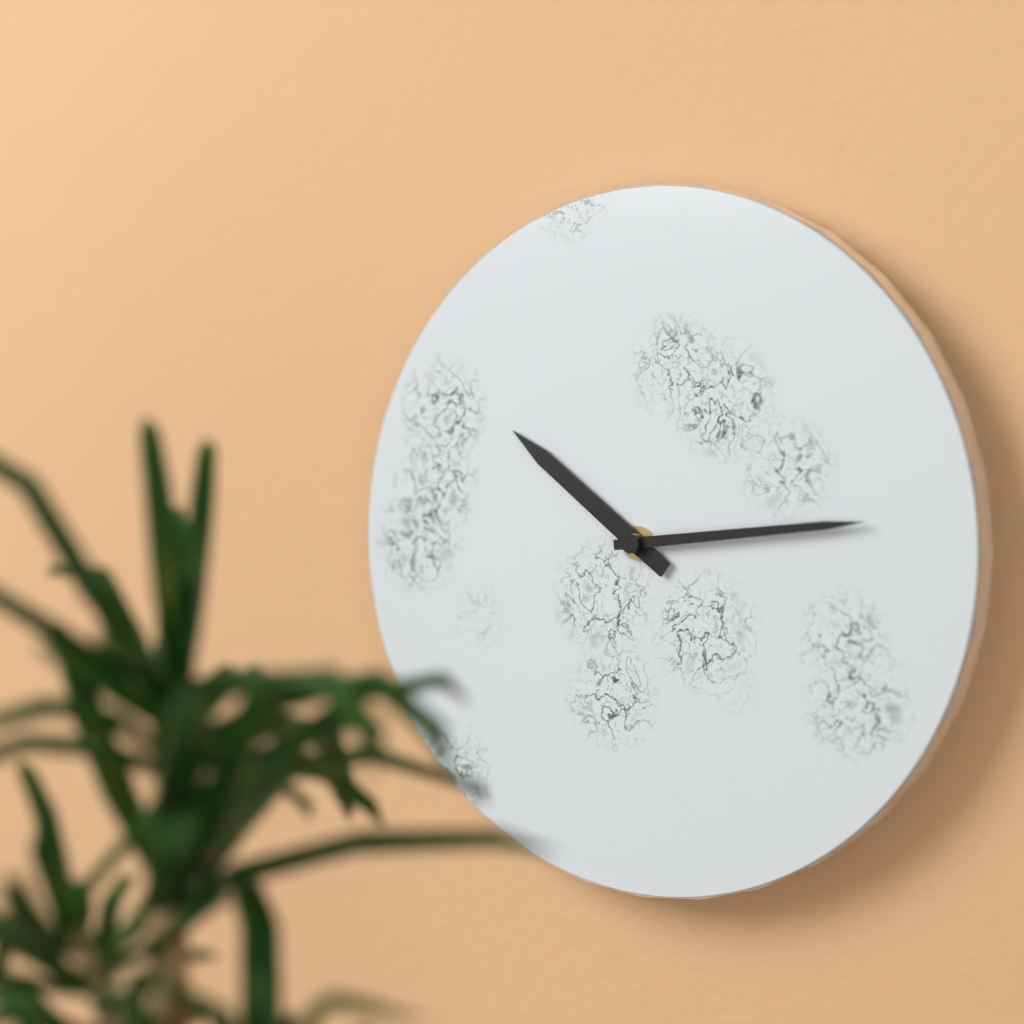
10:14
